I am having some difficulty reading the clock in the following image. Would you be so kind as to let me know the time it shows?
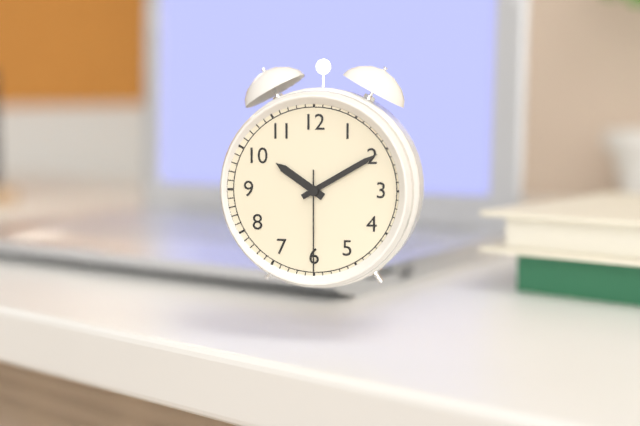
10:10:30
